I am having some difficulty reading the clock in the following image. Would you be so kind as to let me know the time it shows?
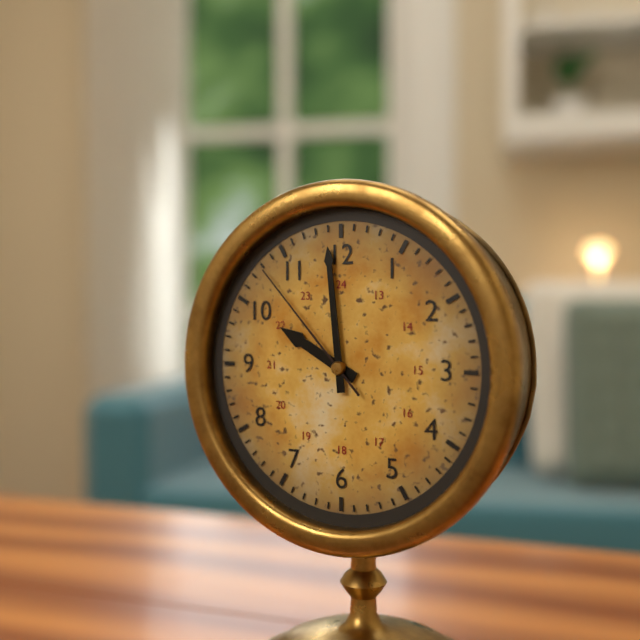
9:59:53
